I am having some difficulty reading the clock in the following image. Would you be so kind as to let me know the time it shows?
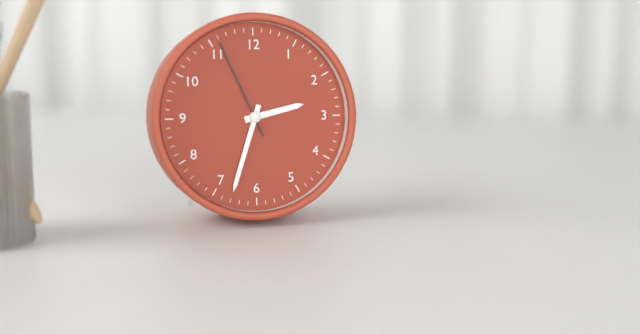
2:33:56
